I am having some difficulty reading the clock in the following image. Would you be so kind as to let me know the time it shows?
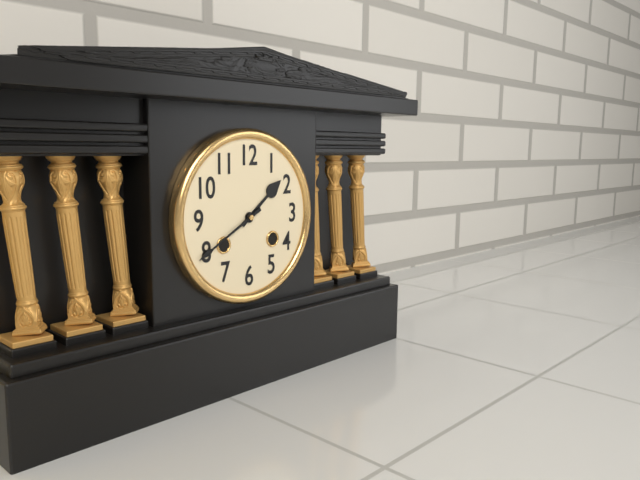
1:40
